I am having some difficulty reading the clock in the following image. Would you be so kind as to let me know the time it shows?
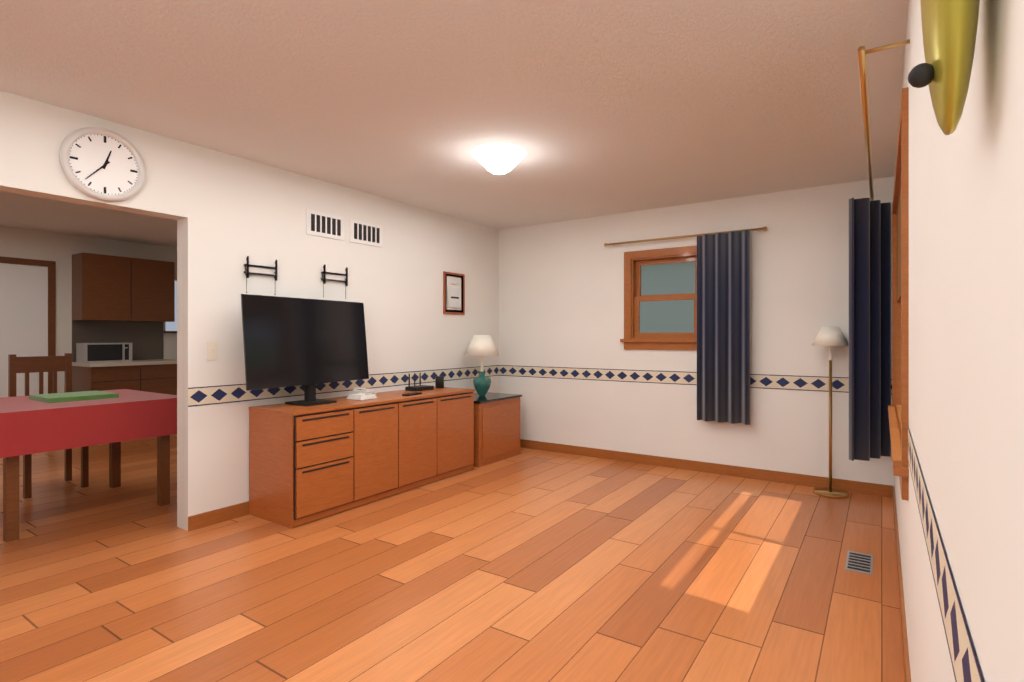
12:37
